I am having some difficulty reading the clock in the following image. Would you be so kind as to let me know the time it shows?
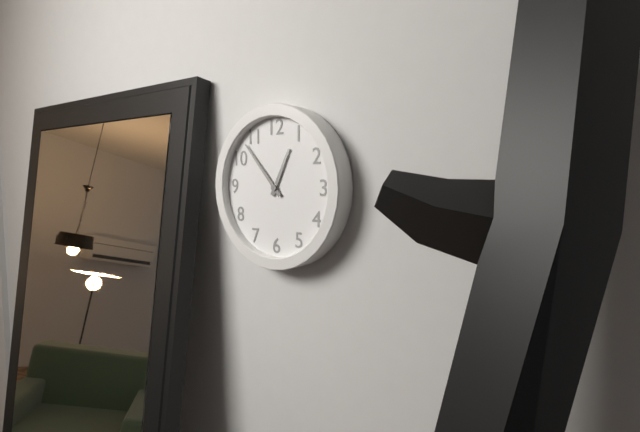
12:53
